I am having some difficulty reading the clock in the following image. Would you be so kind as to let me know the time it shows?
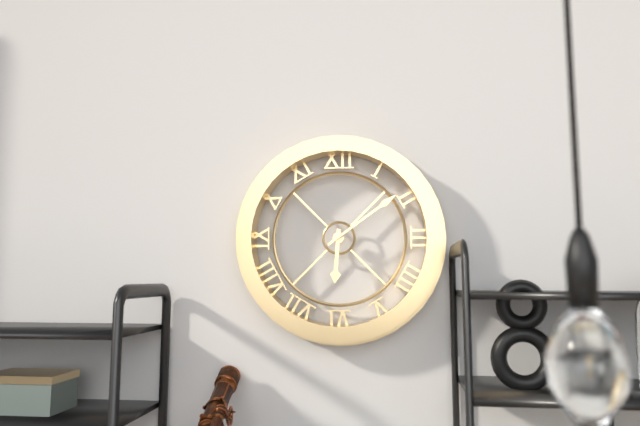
6:09
